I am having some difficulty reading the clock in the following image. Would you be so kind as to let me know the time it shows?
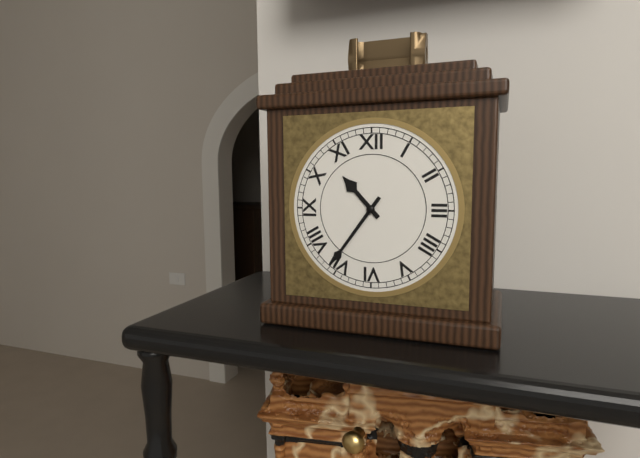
10:36
